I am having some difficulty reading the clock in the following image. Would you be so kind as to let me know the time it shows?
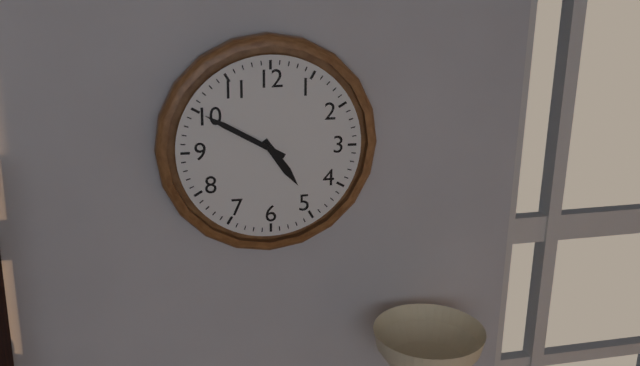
4:50
